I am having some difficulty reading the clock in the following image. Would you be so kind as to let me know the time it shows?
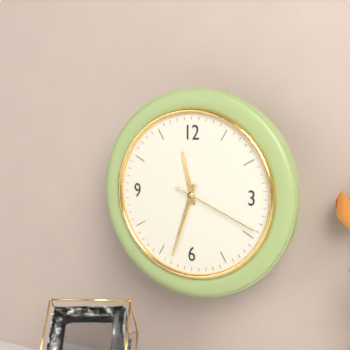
11:33:19
